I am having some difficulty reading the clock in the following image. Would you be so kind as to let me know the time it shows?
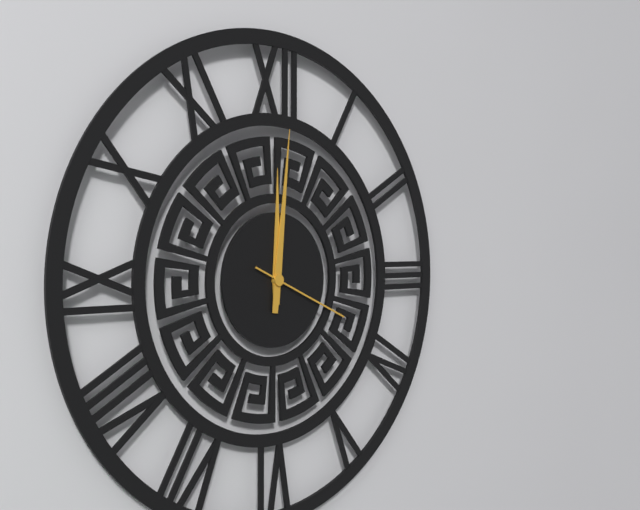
12:01:19
